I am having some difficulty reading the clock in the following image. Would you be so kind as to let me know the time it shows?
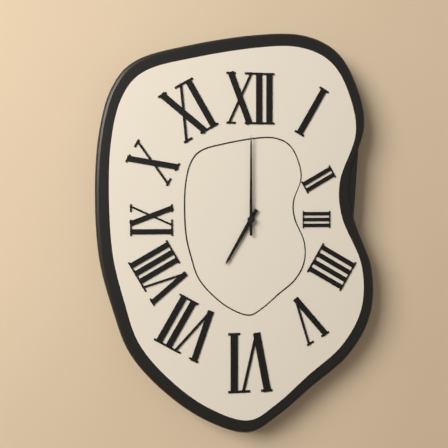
7:00
